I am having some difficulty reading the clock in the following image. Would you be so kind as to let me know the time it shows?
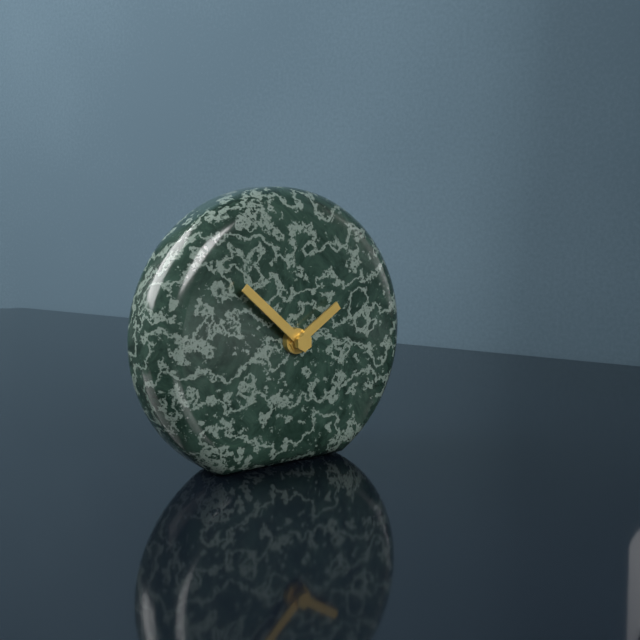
1:52
